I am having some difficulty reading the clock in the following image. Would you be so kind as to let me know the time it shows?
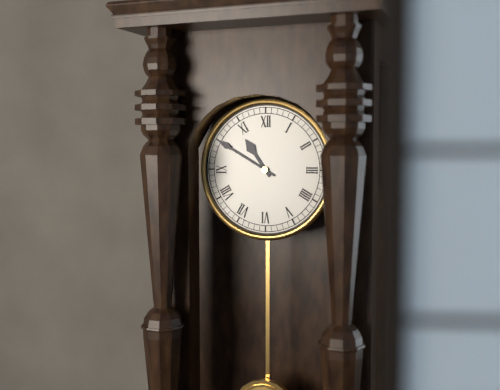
10:50
